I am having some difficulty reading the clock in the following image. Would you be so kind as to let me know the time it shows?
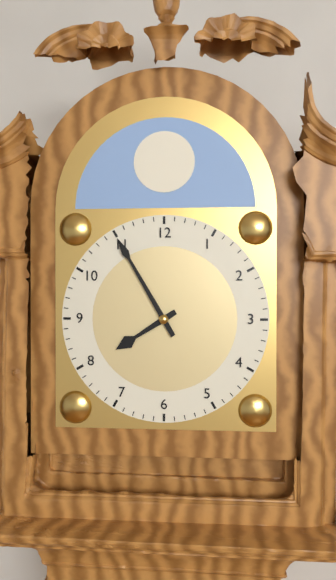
7:55
